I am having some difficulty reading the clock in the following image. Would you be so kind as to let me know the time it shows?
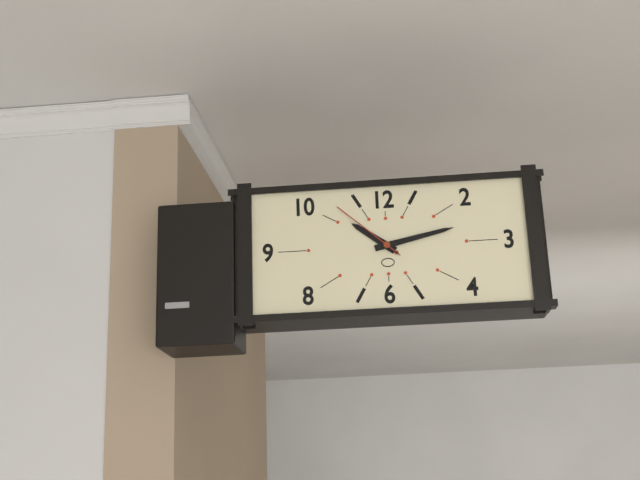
10:13:52
